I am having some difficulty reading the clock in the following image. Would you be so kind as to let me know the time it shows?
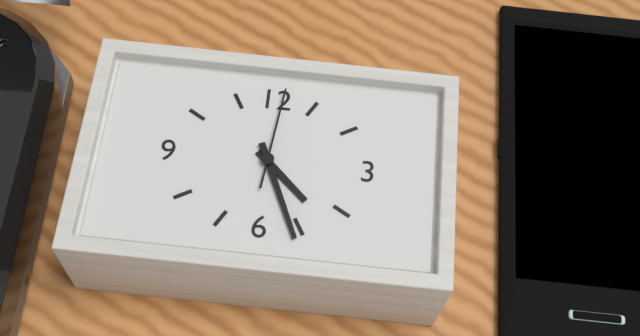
4:26:01
